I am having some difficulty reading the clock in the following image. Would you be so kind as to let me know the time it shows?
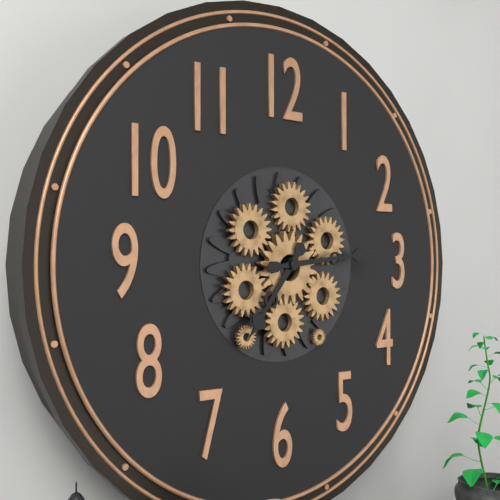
7:14
